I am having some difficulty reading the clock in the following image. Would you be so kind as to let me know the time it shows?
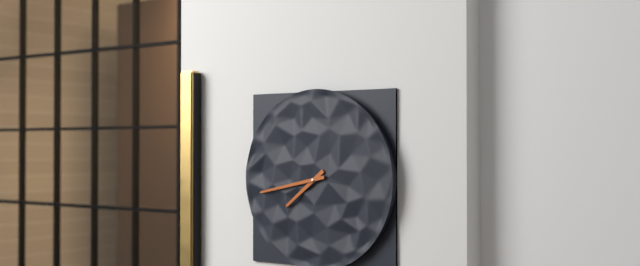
7:43
